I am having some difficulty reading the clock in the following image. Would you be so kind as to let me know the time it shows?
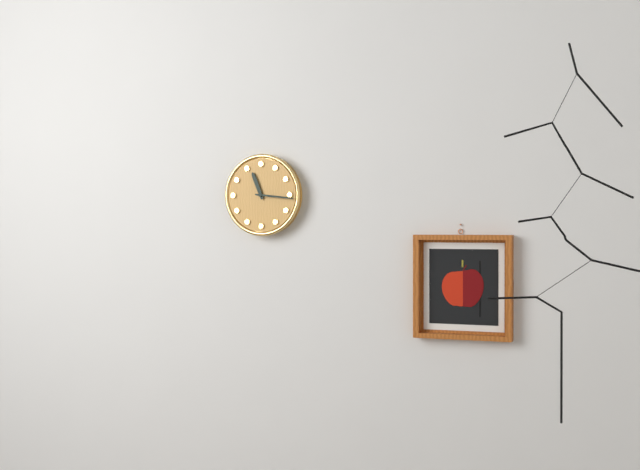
11:16
